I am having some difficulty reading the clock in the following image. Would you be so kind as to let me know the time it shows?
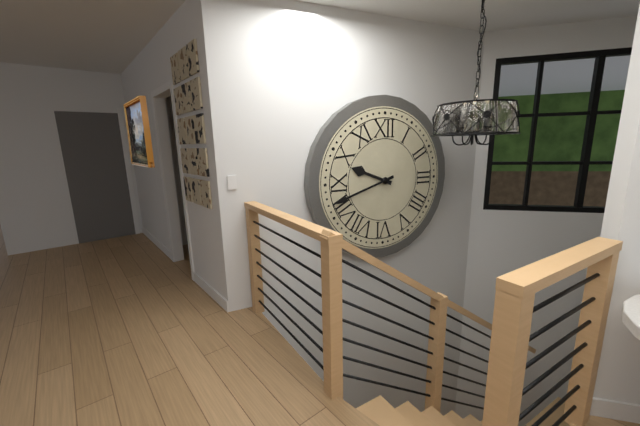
9:42
